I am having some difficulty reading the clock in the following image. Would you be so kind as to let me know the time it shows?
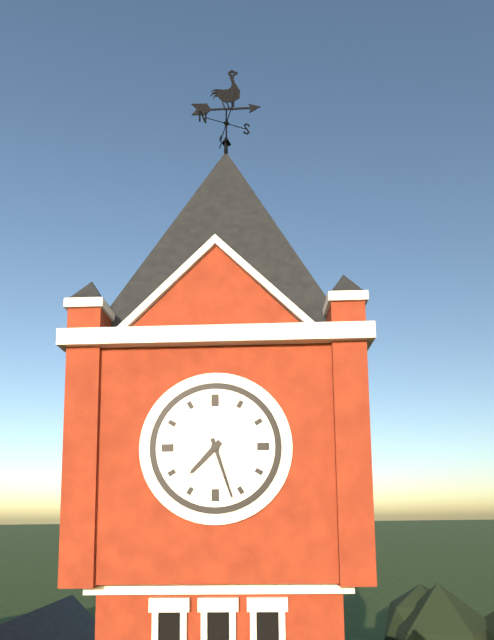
7:27
